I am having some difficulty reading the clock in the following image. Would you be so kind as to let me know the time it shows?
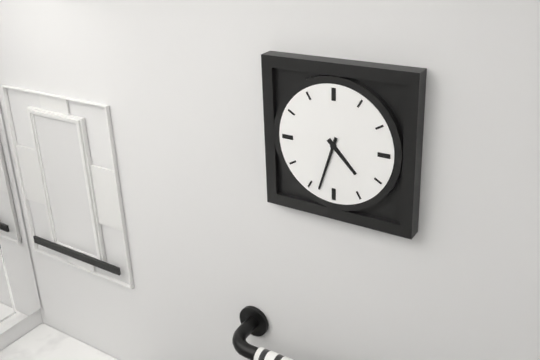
4:33
